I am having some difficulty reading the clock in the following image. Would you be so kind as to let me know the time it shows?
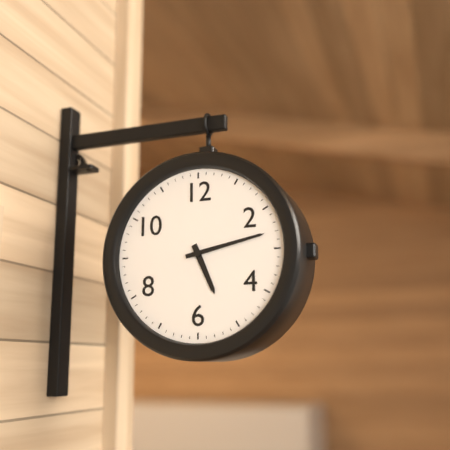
5:13
